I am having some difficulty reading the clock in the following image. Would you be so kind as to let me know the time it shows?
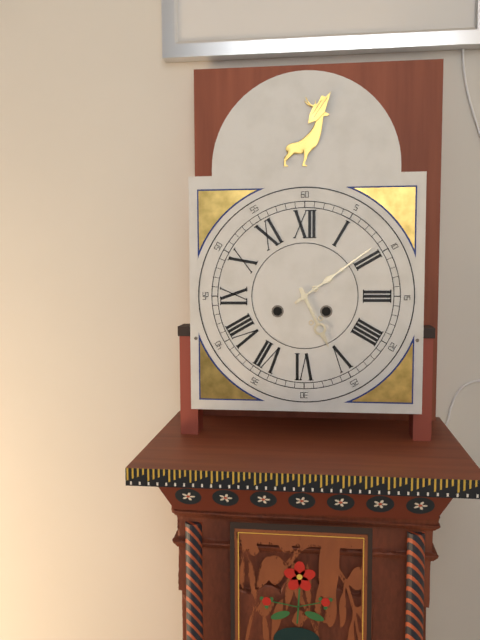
5:09
